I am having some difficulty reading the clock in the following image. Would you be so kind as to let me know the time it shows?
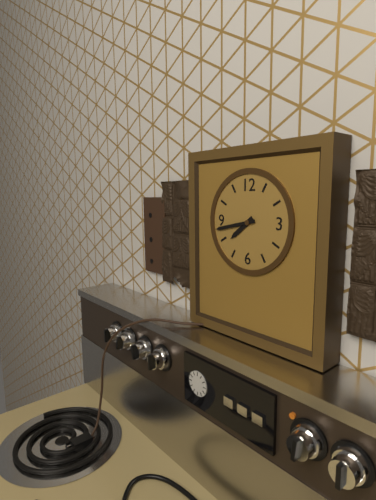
7:43
